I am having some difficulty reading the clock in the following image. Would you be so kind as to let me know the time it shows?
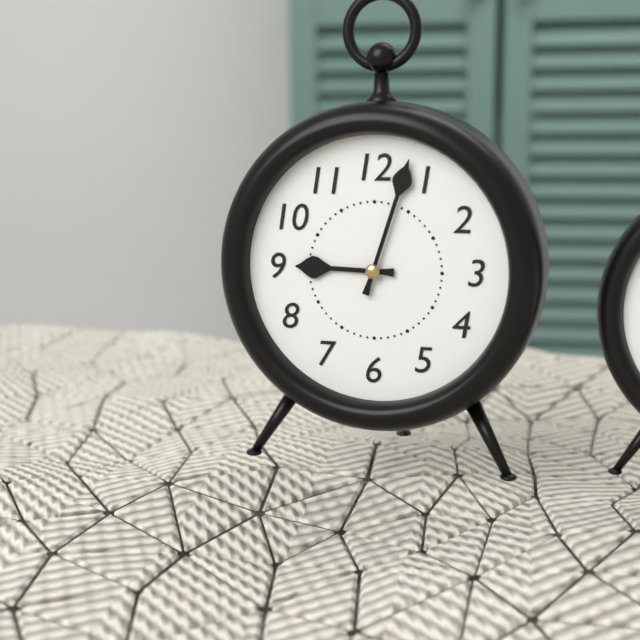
9:03
